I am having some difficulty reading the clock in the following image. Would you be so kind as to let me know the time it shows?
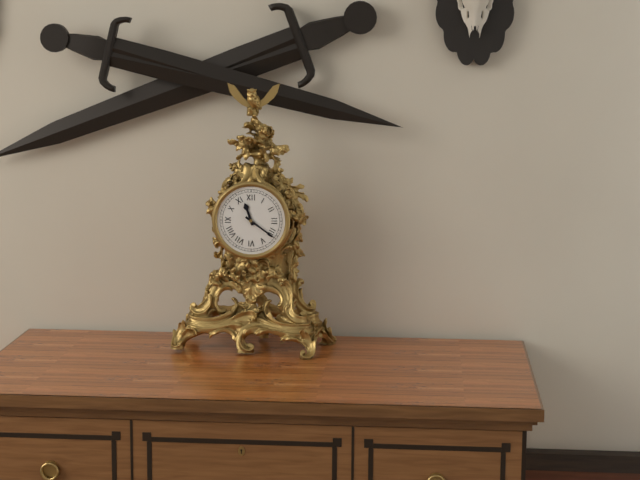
11:21
